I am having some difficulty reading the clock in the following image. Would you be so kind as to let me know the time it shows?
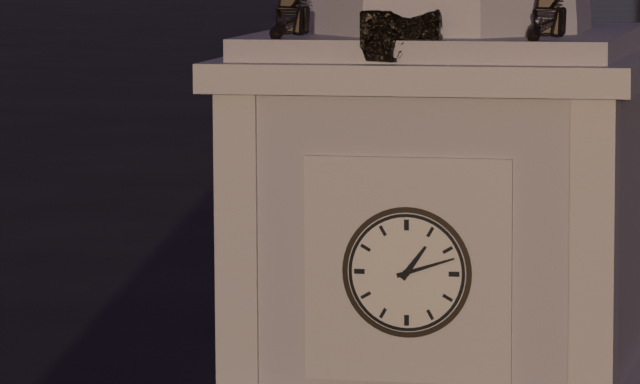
1:12
